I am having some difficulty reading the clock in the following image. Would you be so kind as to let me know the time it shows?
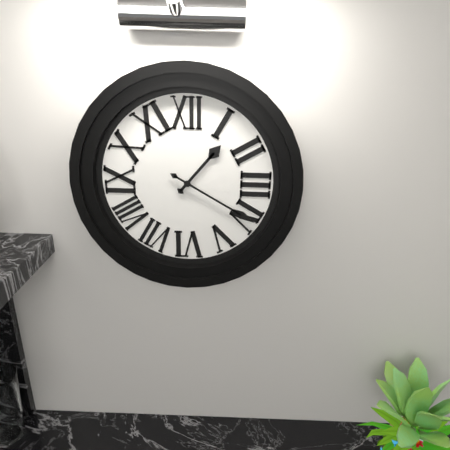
1:20
